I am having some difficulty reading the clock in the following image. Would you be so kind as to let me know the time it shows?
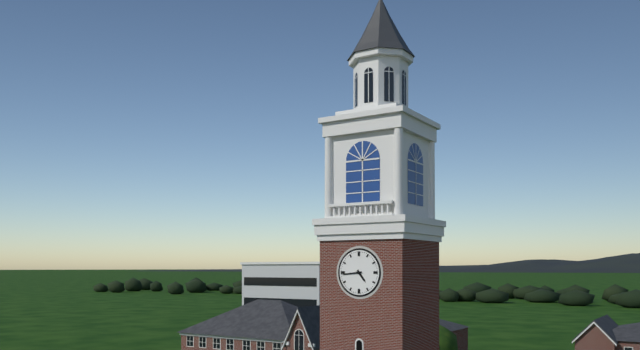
4:44
